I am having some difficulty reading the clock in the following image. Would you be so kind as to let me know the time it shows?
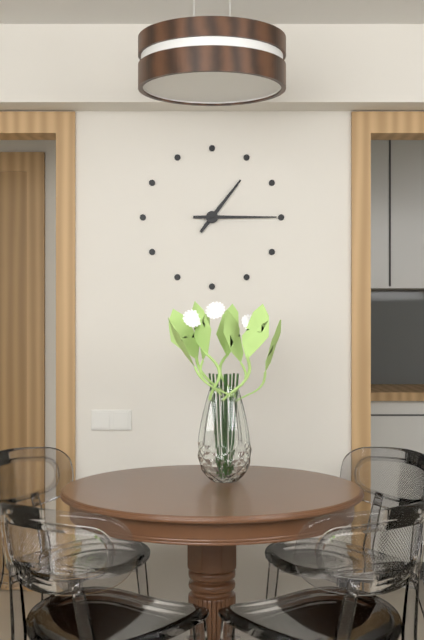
1:15
